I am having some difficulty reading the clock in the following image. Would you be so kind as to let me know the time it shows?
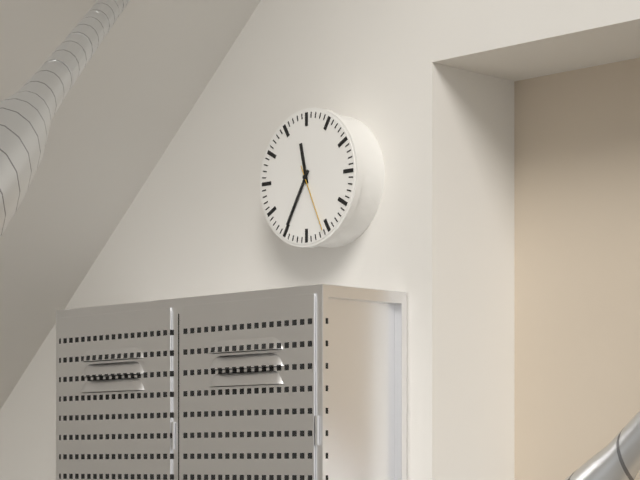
11:35:26
